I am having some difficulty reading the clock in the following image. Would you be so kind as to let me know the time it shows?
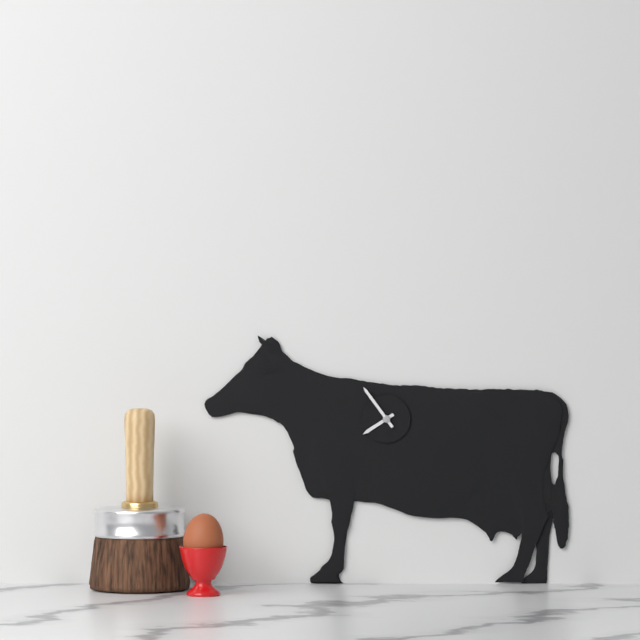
7:54
